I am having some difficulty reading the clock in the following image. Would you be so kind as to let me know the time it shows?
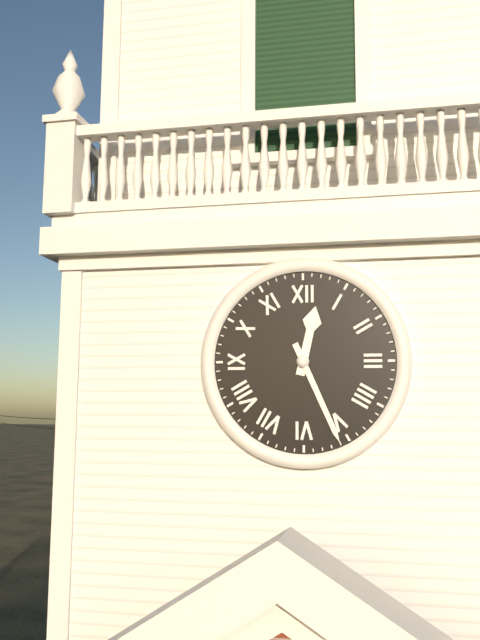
12:26
